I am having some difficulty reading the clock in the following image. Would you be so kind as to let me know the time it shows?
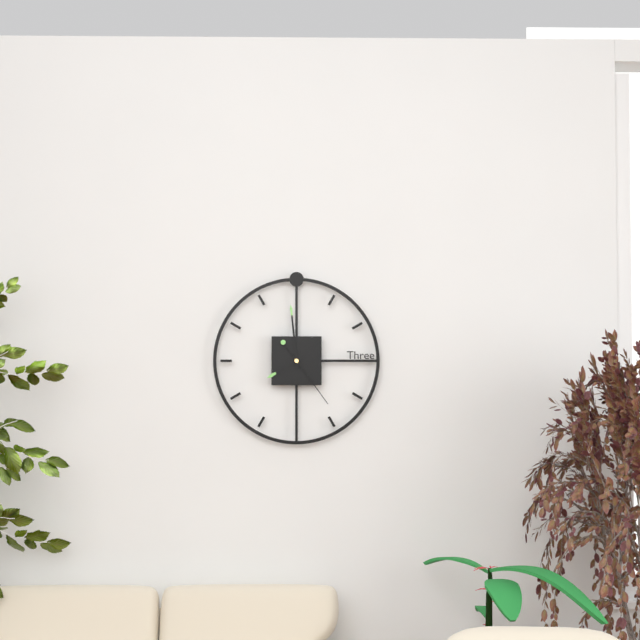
7:59:24
